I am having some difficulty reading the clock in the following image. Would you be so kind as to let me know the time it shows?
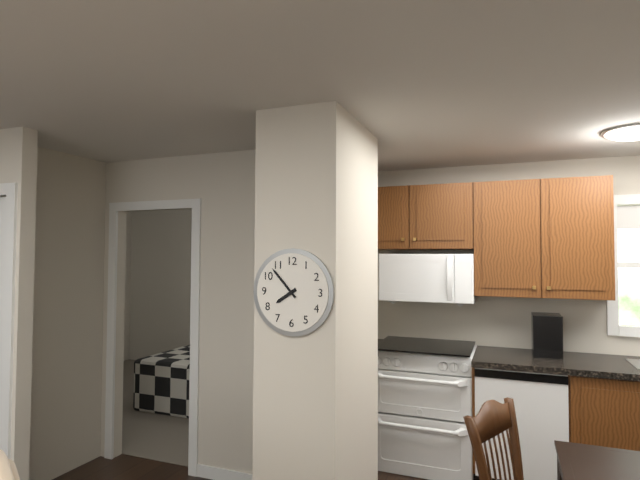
7:53
